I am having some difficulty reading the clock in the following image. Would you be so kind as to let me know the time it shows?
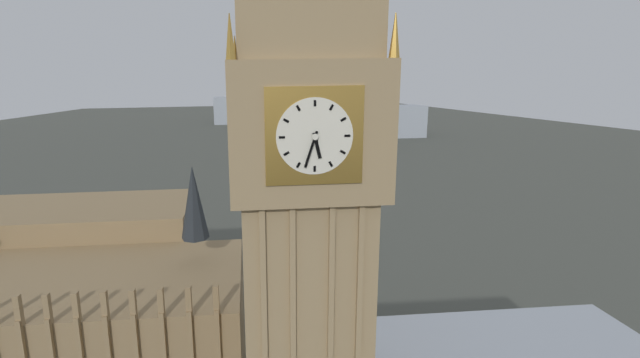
5:33
